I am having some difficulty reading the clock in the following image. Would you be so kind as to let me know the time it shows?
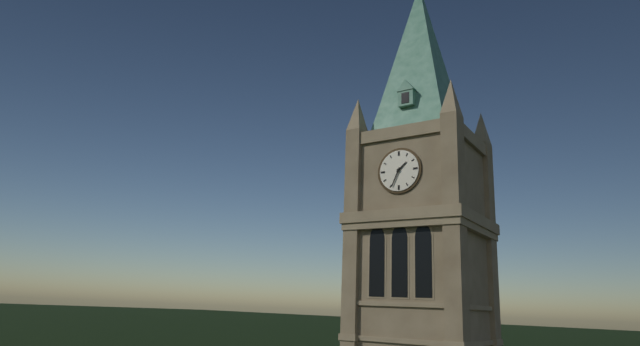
1:34
